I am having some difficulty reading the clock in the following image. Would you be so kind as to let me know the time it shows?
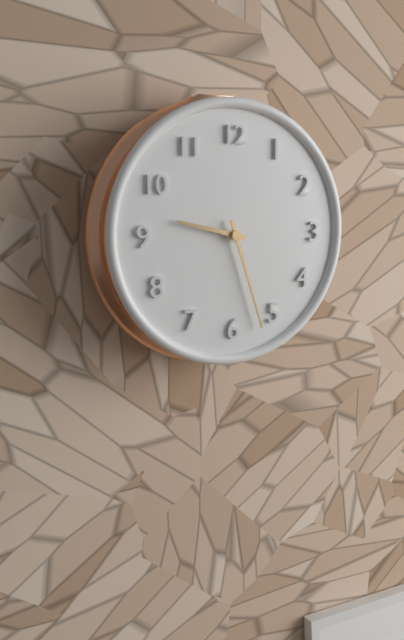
9:27
